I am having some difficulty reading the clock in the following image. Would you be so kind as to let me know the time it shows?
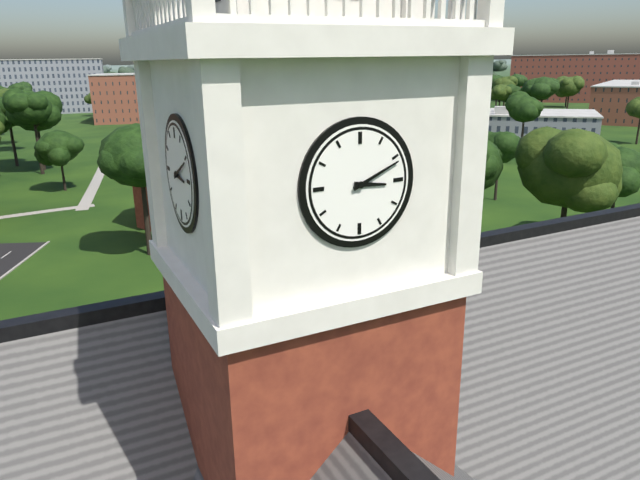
3:11
